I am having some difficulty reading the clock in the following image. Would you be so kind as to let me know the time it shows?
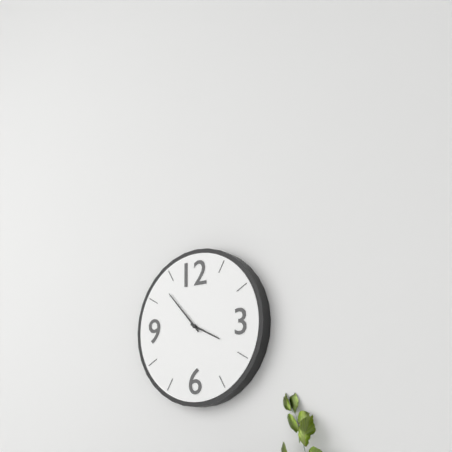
3:53
